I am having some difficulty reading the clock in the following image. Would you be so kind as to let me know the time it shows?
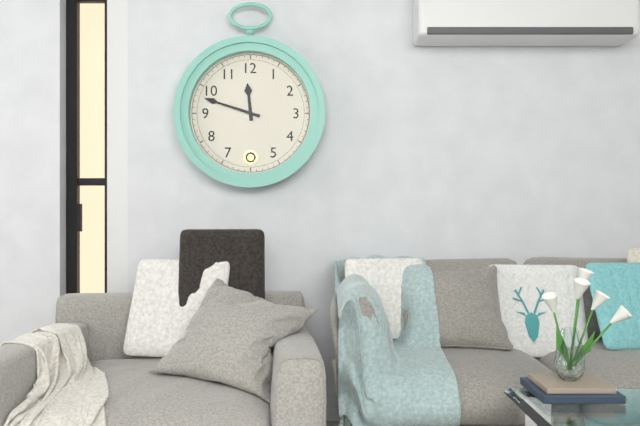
11:48
